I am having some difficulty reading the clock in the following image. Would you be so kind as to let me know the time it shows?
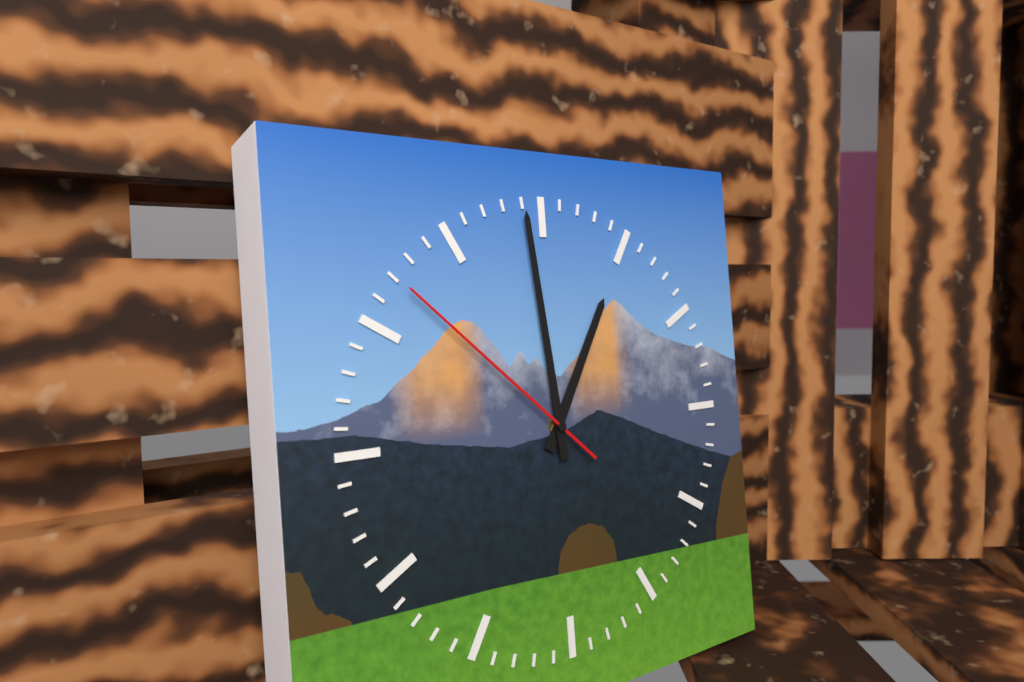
12:59:52
